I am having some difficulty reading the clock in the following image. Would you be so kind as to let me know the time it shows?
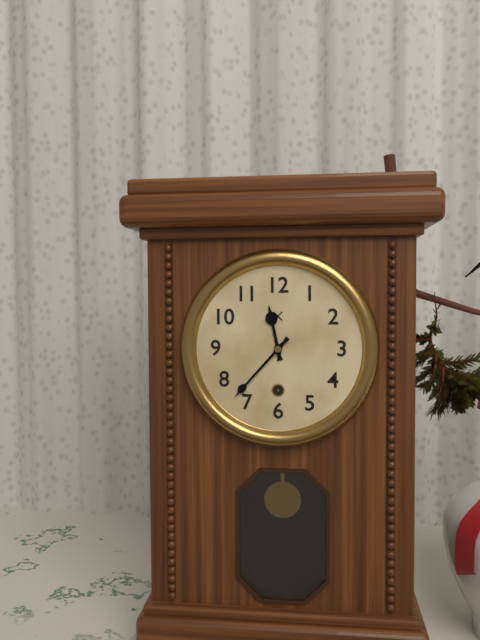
11:37
